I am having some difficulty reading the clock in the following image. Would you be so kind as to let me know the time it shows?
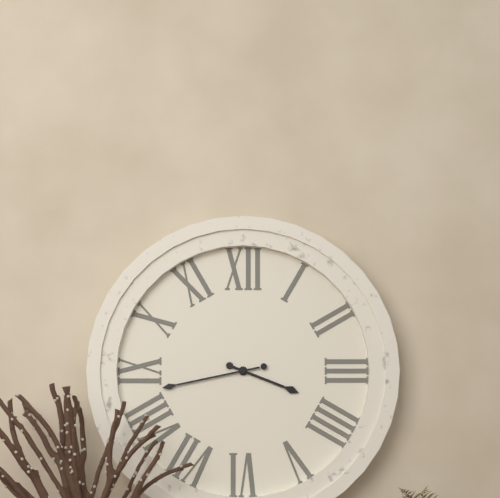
3:43
